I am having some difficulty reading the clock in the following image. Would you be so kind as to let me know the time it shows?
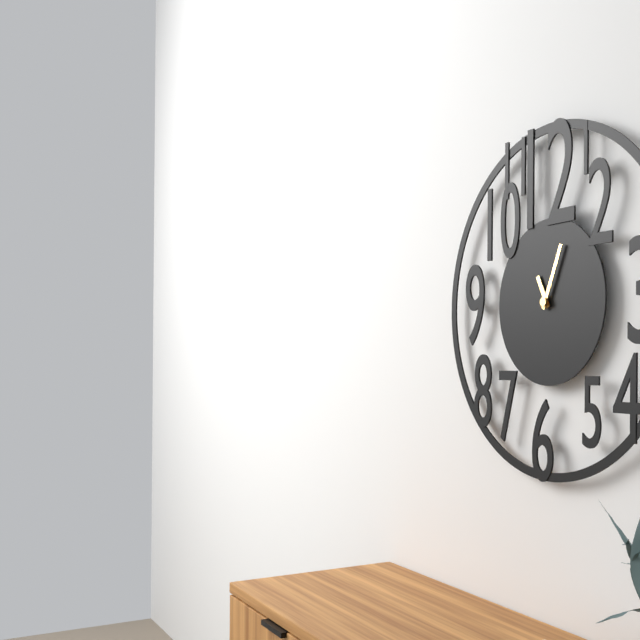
11:04
